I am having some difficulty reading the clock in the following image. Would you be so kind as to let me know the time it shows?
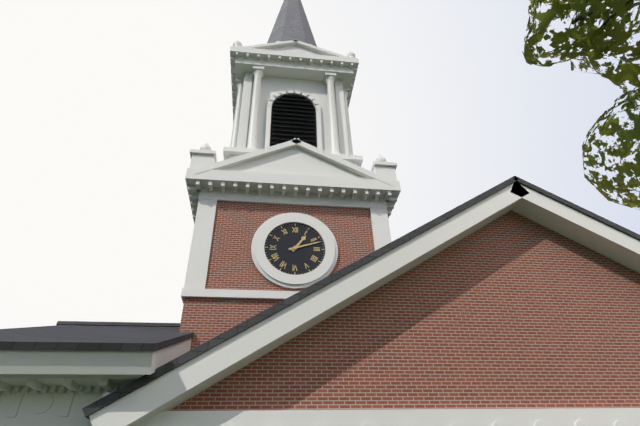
1:12
